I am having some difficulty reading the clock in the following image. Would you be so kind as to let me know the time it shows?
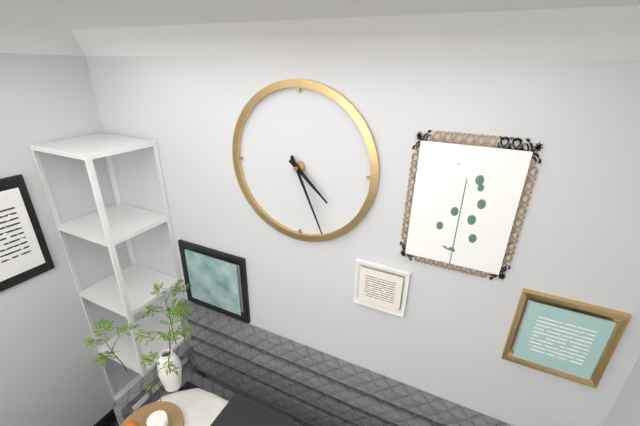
4:26
